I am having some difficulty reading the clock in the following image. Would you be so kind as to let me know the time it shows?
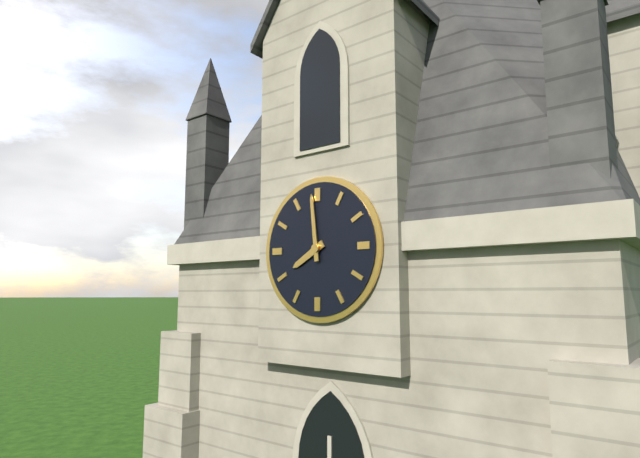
7:59
